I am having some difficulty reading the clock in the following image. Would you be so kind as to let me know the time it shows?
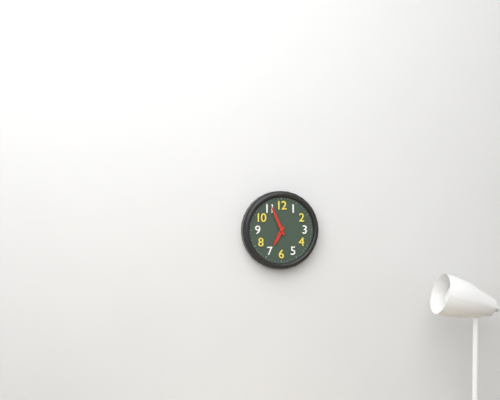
6:56
